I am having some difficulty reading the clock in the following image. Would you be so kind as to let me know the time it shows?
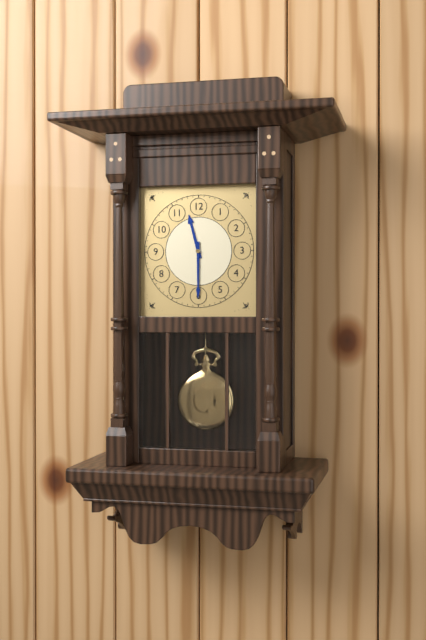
11:30
